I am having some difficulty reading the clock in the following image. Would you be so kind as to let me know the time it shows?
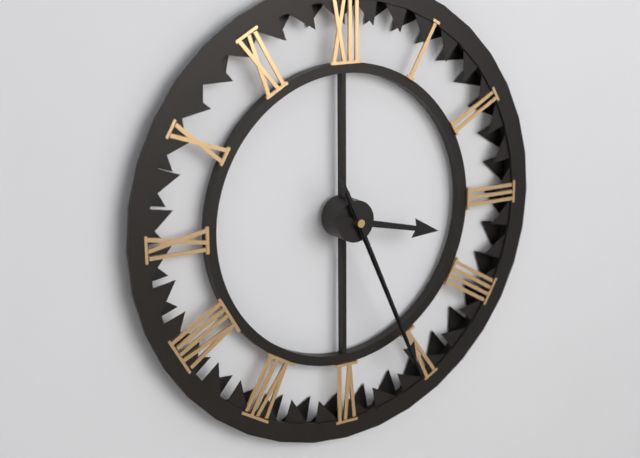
3:26:26
